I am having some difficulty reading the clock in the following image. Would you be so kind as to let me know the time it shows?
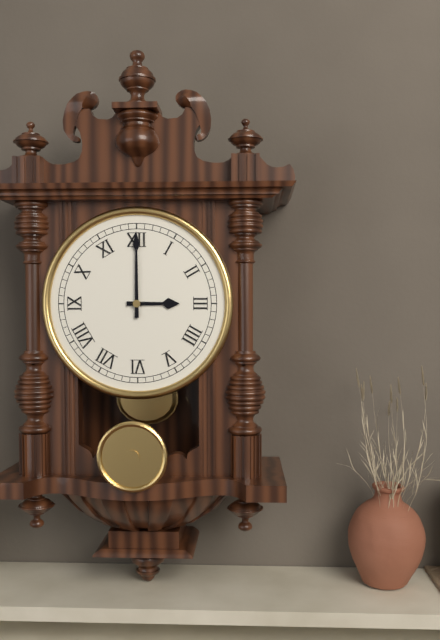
3:00
